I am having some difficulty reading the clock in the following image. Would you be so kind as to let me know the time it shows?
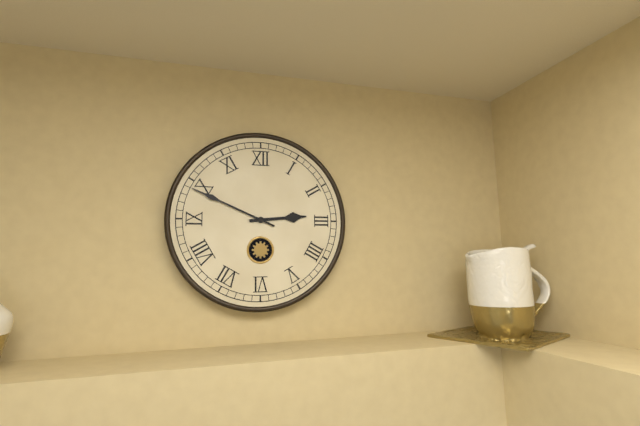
2:49
